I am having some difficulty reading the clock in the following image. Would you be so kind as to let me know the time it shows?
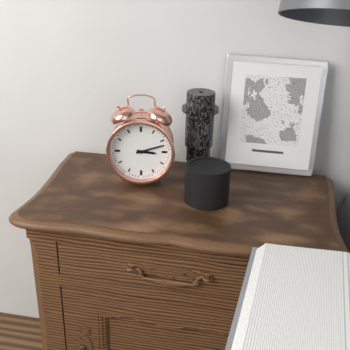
3:12
